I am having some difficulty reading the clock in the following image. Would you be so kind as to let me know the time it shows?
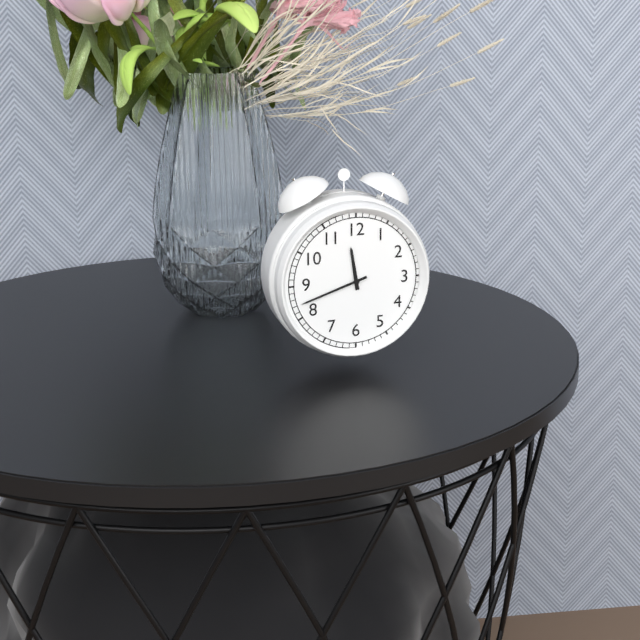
11:42
